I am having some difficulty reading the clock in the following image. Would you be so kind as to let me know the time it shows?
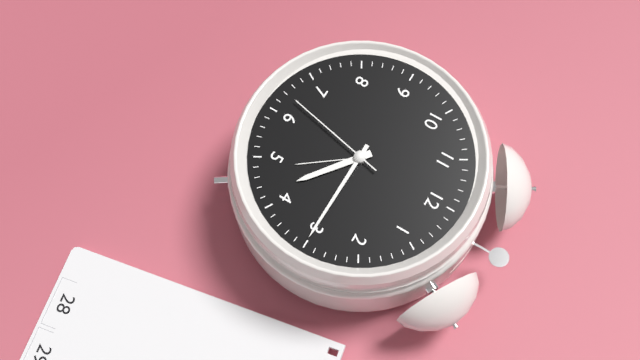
4:15:32
